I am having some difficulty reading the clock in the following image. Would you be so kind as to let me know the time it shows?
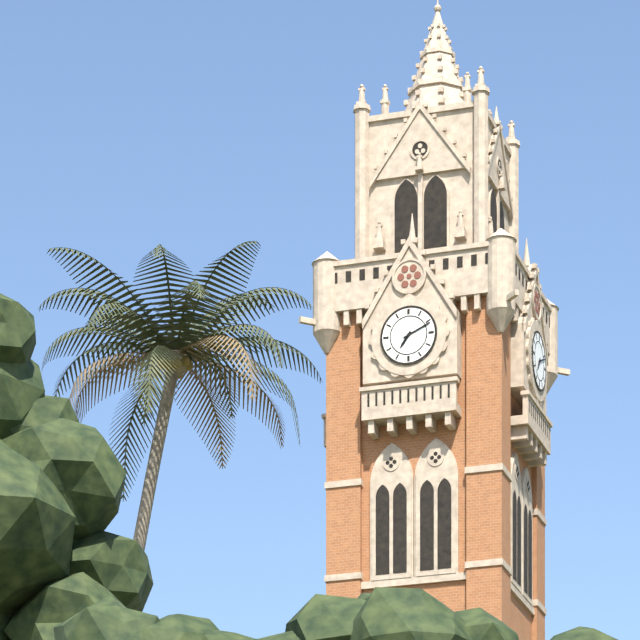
7:11
